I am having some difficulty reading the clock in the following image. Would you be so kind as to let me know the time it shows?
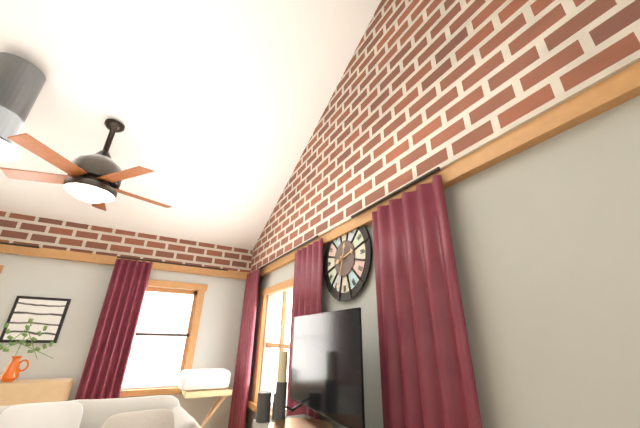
2:33
